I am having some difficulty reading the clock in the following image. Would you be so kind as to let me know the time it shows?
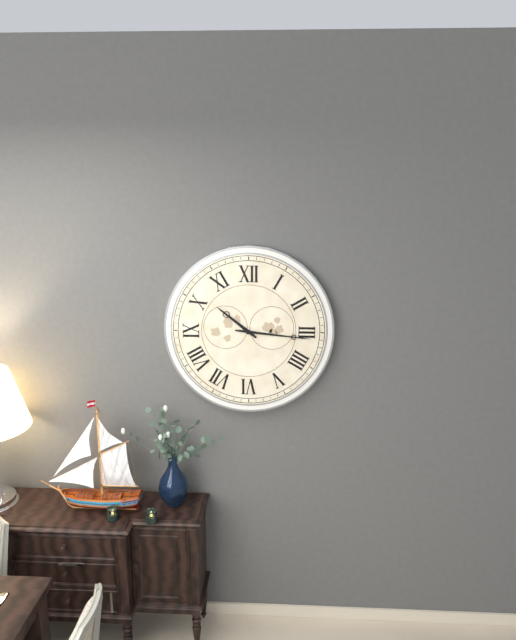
10:16
